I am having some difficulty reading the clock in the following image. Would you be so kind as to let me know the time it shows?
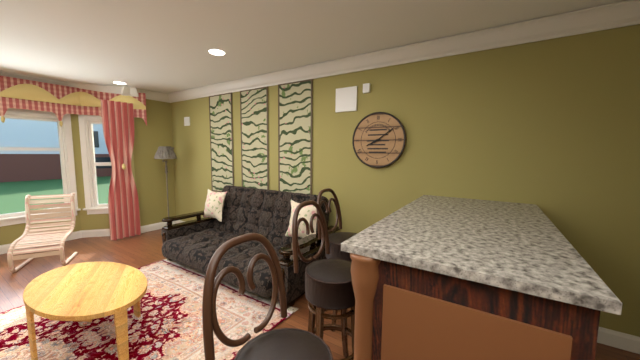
8:09
